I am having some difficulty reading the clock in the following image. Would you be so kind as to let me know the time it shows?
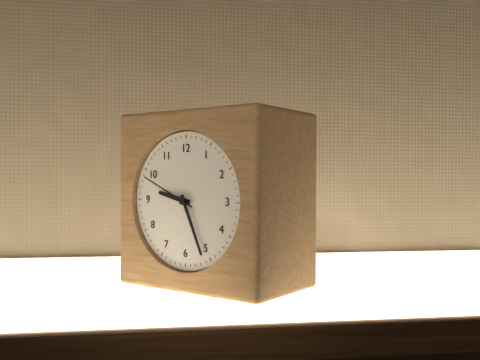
9:26:49
